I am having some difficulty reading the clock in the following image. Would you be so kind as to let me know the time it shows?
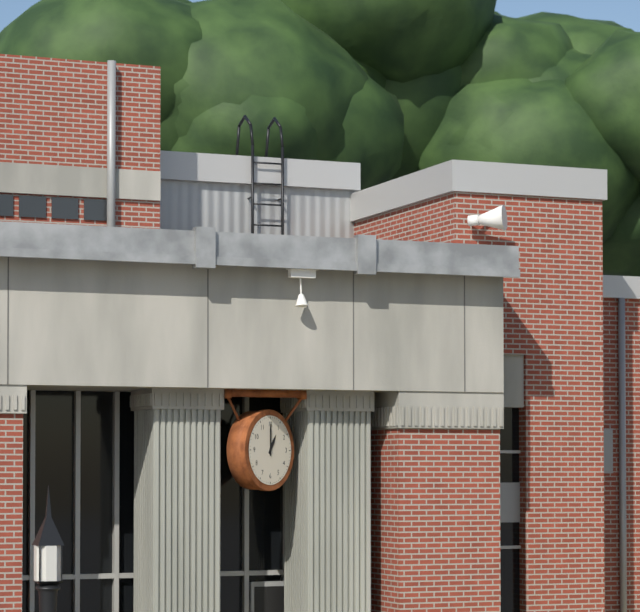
1:00
